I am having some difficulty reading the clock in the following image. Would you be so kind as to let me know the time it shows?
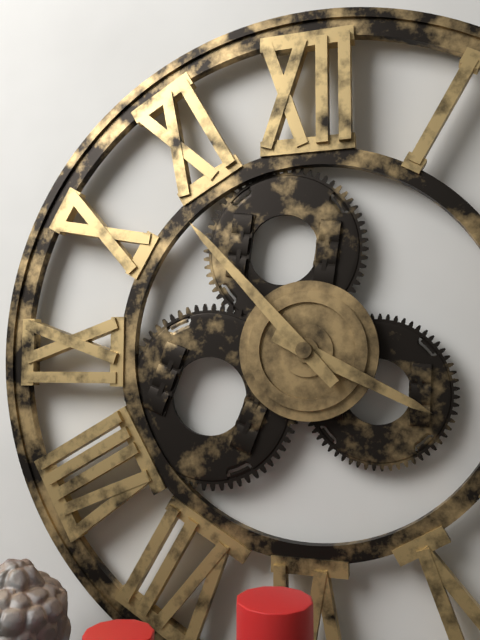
3:53
